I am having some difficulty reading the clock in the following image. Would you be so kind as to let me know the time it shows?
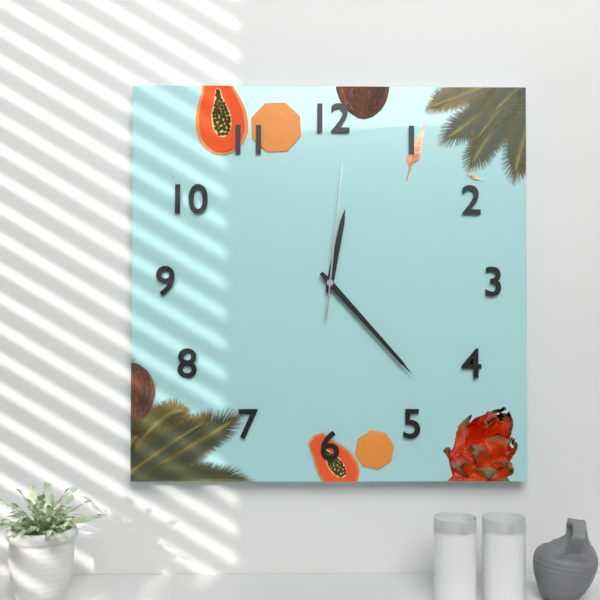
12:23:01
